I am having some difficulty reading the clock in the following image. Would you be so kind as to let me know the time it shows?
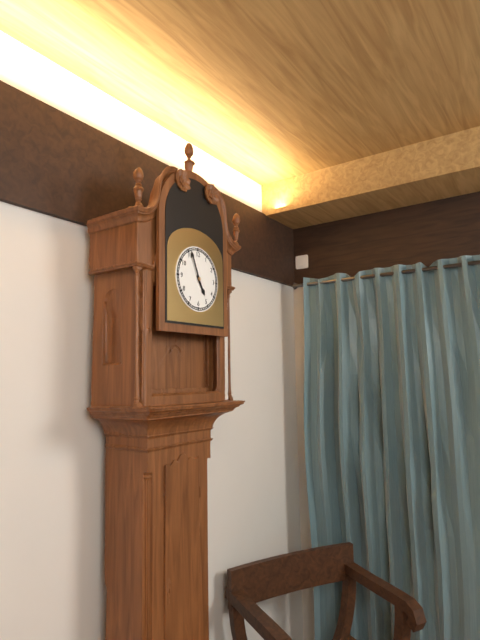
4:56
